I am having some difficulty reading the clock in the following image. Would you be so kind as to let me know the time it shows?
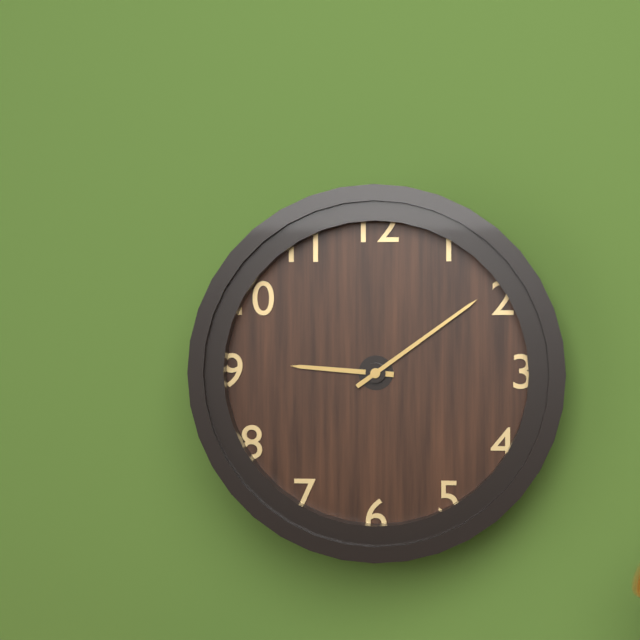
9:09
